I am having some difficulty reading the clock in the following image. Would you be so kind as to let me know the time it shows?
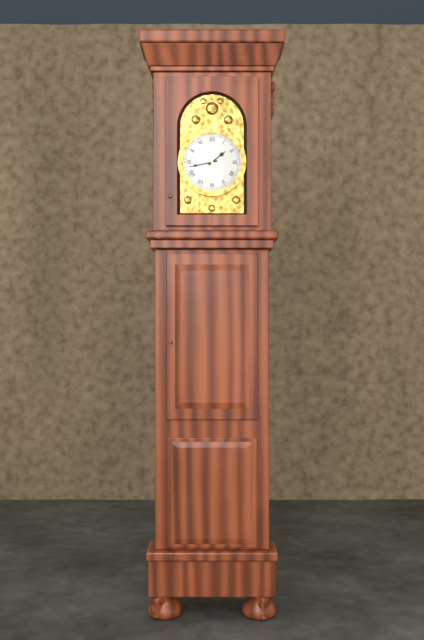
1:43
